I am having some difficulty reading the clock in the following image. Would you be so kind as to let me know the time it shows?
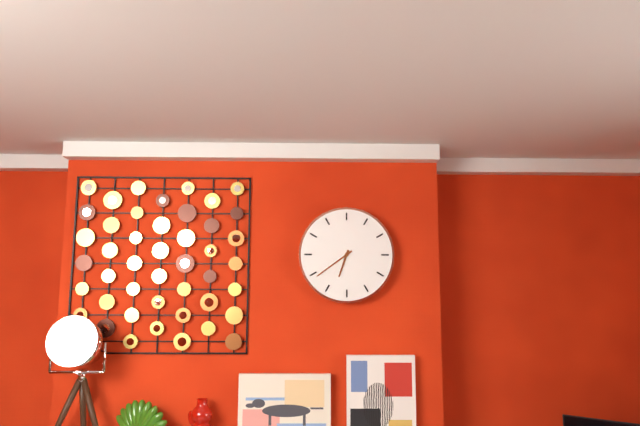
6:39
